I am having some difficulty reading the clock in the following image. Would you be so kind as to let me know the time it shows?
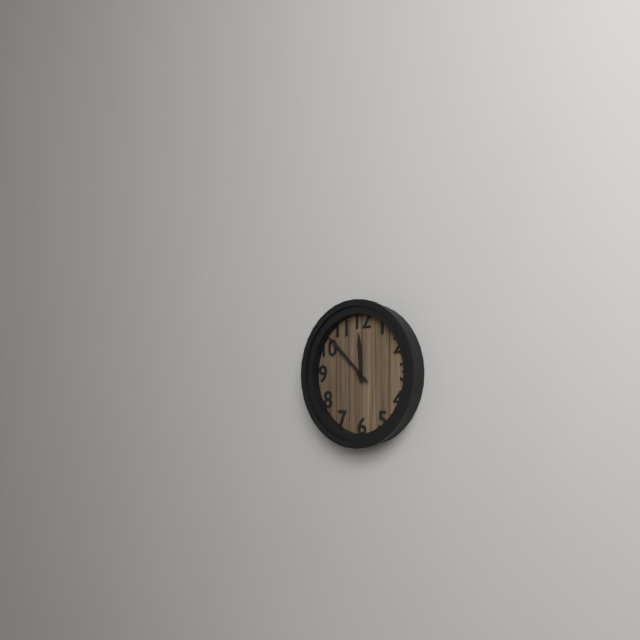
11:52
